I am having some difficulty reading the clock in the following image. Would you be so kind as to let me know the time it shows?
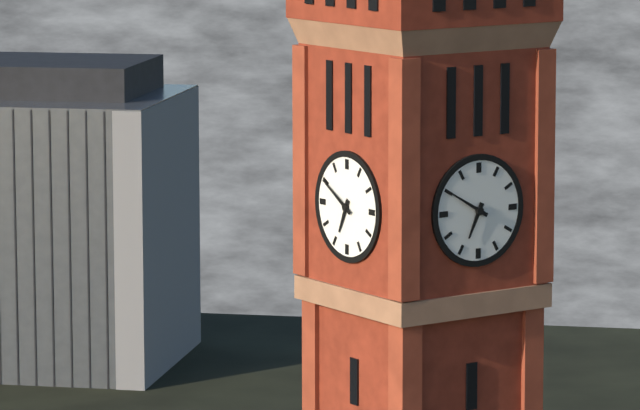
6:50
